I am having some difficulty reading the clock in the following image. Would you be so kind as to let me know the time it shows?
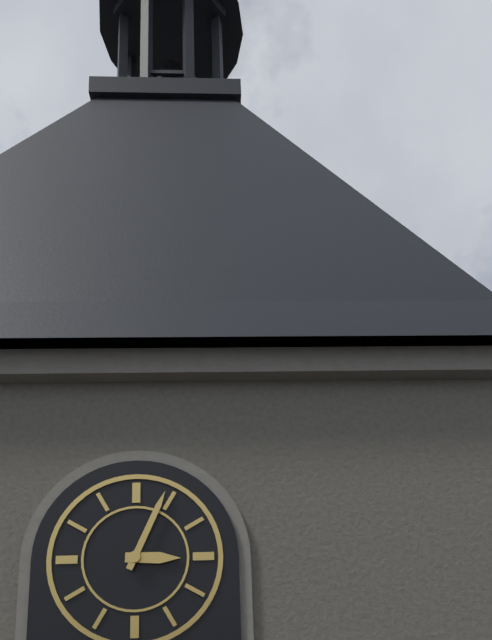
3:04
